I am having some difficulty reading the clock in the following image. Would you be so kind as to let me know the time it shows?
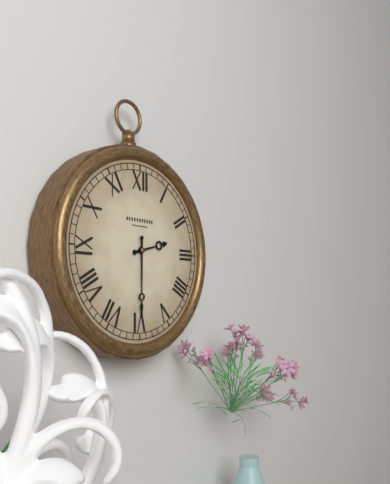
2:30
